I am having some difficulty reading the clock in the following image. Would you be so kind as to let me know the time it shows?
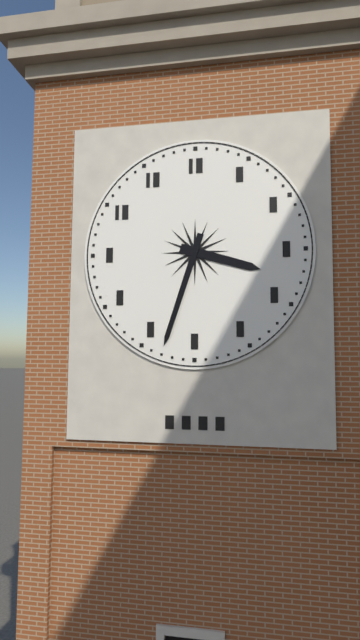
3:33
